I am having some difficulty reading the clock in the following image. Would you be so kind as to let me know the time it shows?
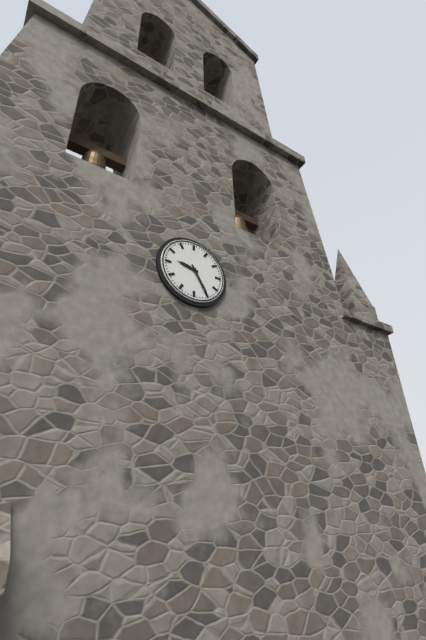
9:25
